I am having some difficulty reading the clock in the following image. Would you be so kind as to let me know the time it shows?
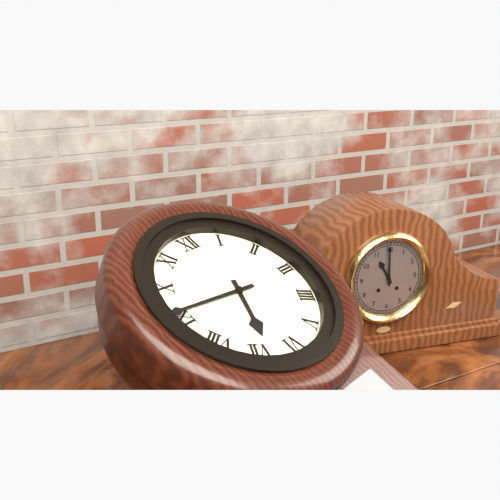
6:46
